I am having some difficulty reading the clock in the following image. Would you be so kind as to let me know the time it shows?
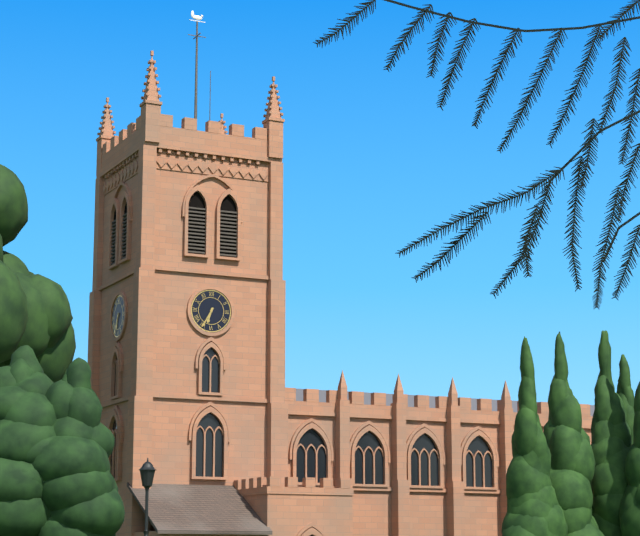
6:35
